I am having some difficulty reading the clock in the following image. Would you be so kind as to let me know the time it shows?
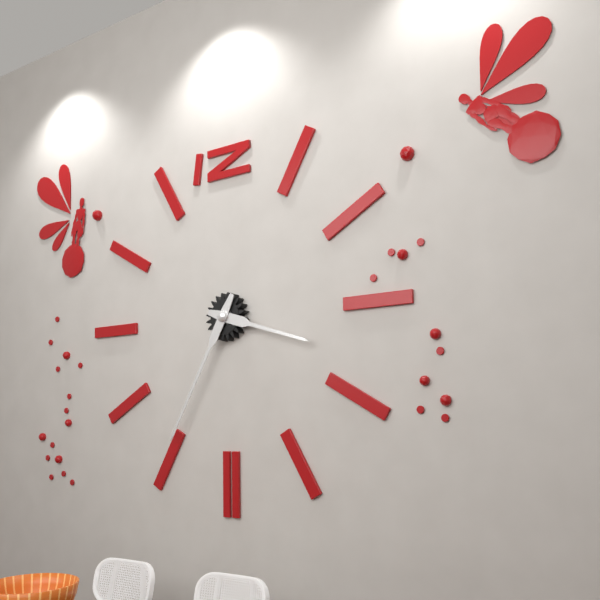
3:35
